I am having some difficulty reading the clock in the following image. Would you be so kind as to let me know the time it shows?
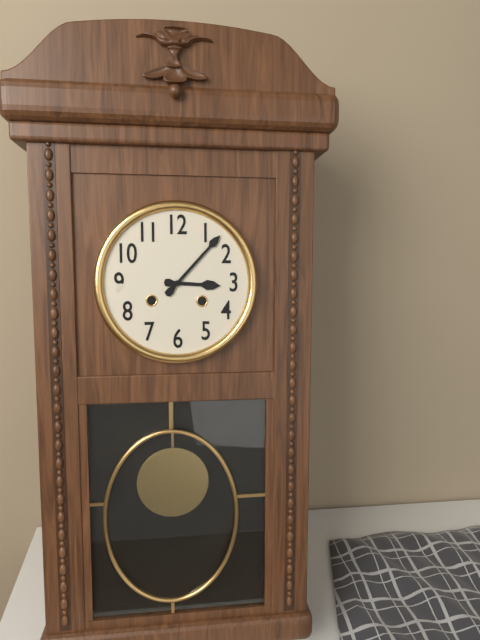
3:07
